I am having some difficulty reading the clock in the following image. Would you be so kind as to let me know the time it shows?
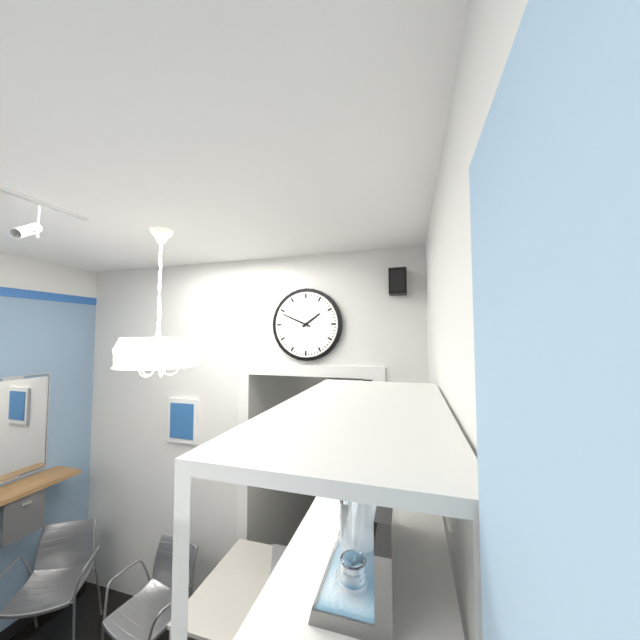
1:49
